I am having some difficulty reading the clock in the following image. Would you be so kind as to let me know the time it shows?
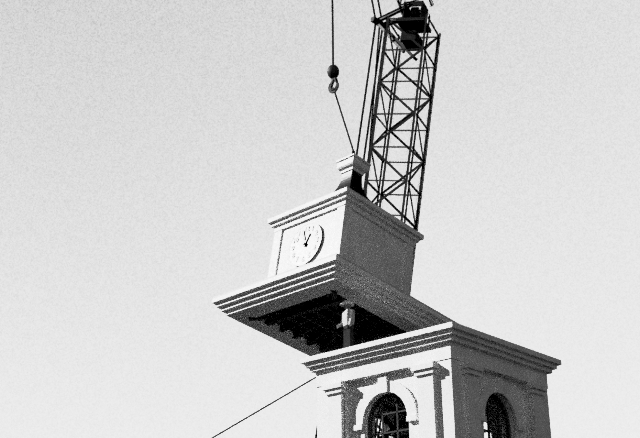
12:57
